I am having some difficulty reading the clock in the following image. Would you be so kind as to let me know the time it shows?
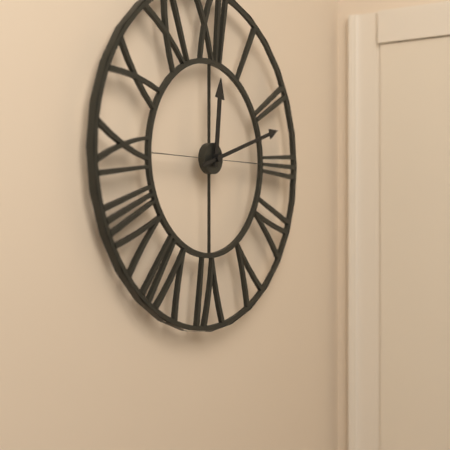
12:12
